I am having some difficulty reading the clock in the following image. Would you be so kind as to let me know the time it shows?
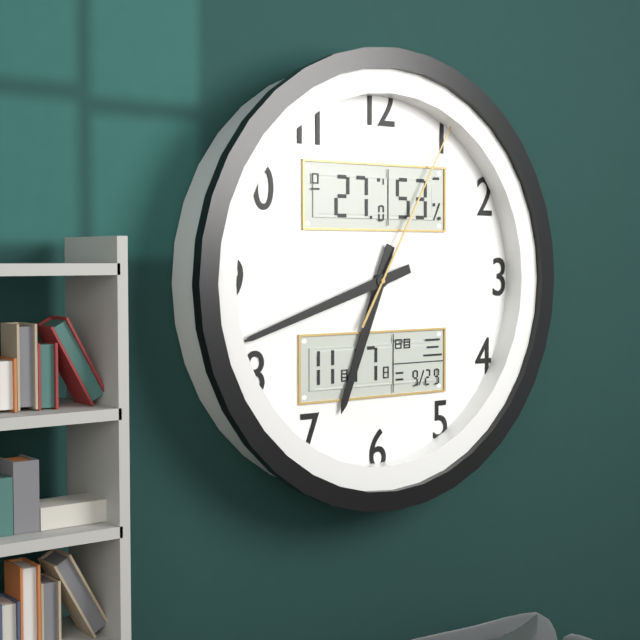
6:42:05
